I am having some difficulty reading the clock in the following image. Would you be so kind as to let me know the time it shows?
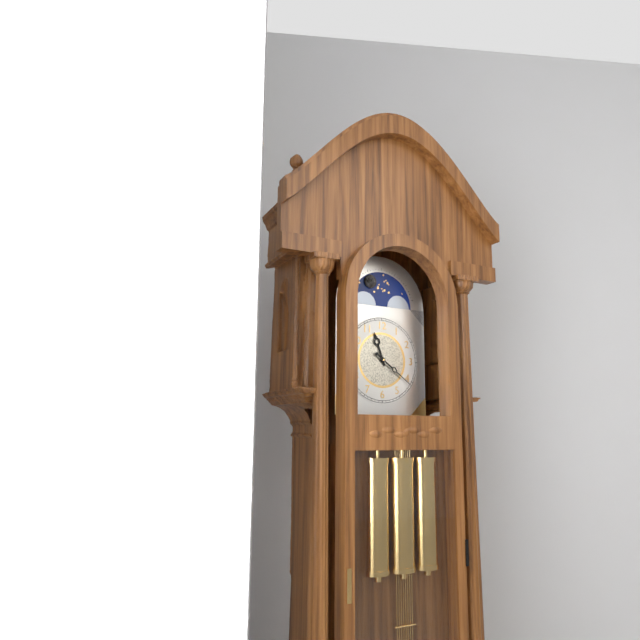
11:21
